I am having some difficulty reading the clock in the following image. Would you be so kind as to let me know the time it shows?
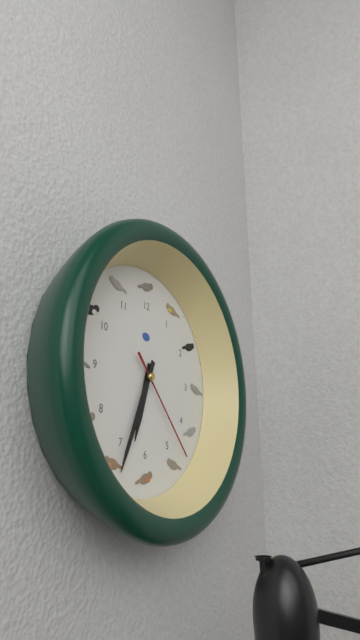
6:34:23
